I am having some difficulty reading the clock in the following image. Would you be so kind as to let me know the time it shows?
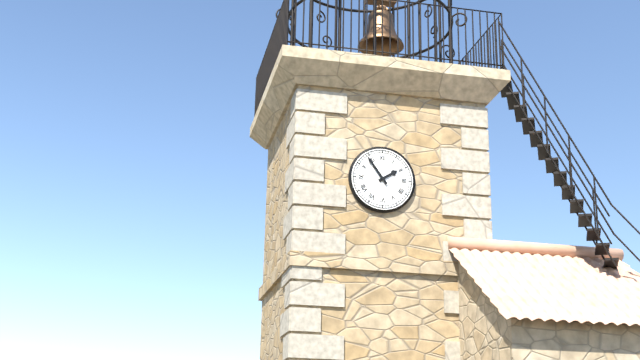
1:54
